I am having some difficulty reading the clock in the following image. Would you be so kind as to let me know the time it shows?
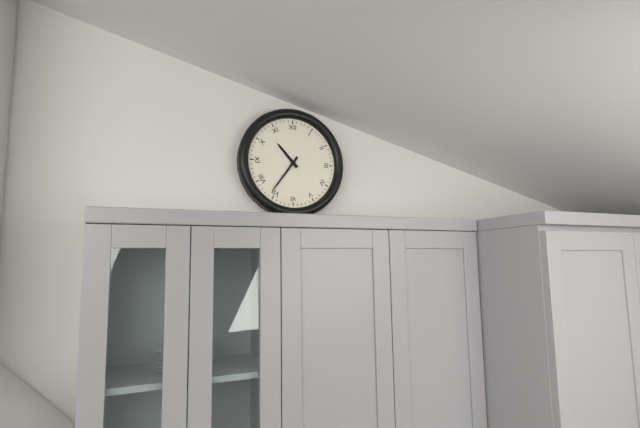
10:36
